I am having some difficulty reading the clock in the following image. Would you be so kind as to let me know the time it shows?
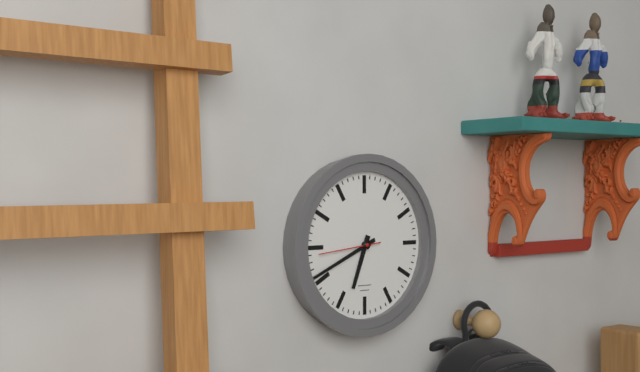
6:41:44
